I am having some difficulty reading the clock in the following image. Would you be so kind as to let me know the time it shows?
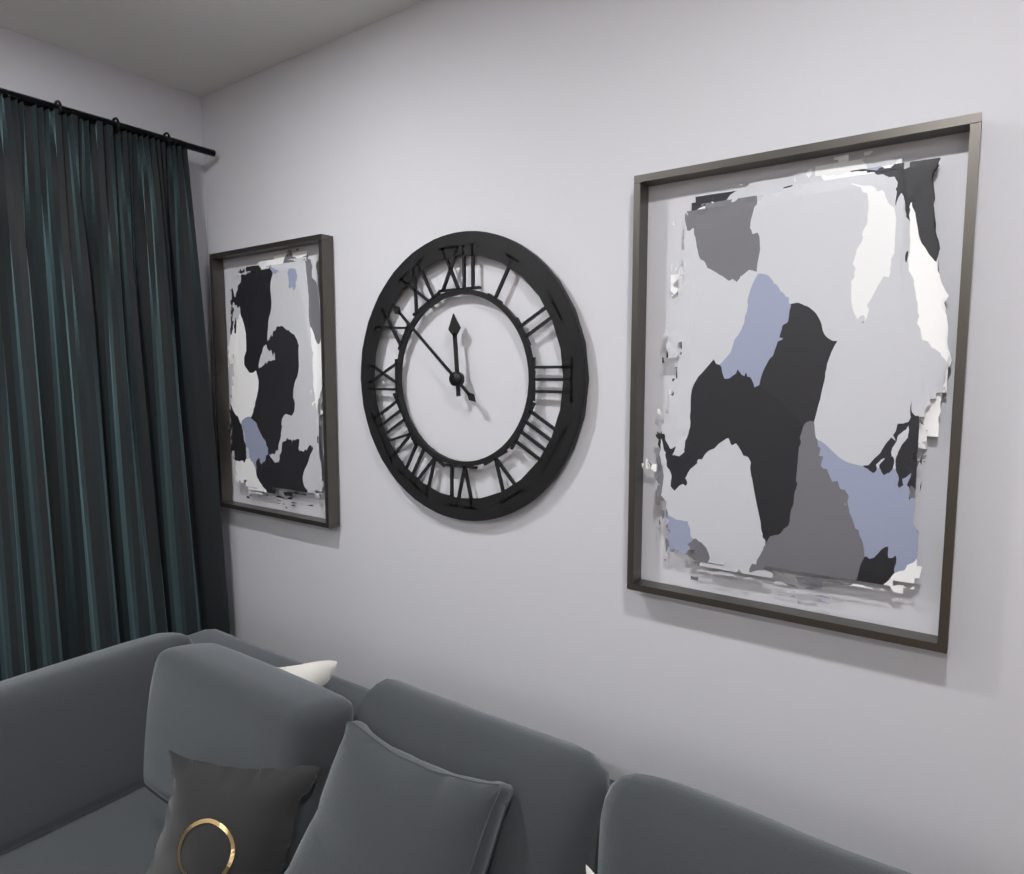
11:52
